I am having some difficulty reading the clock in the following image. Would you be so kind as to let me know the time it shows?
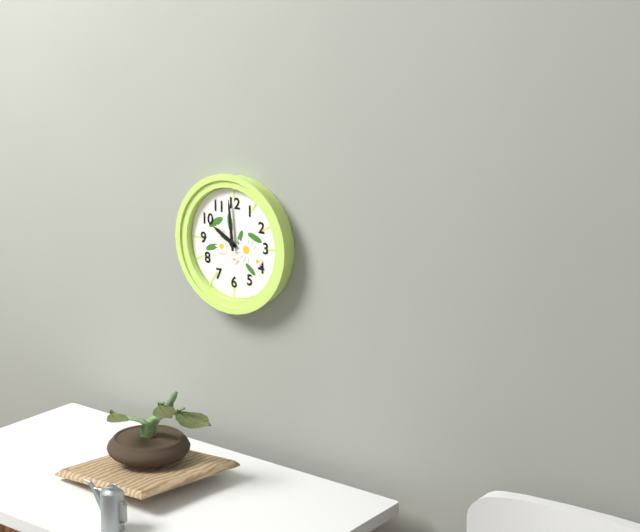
9:59
